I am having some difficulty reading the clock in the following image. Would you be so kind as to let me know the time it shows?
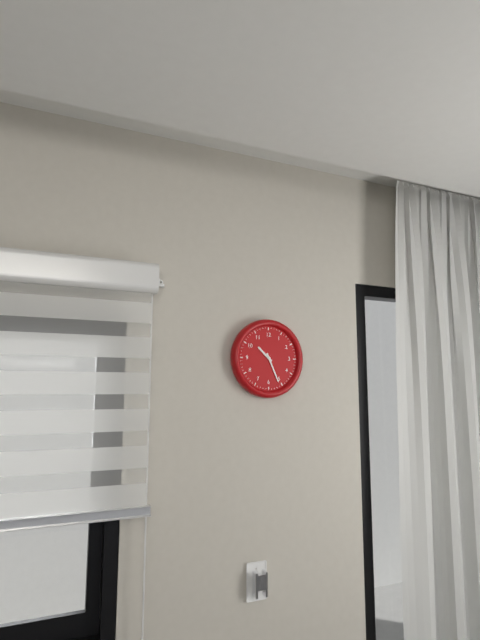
10:26
